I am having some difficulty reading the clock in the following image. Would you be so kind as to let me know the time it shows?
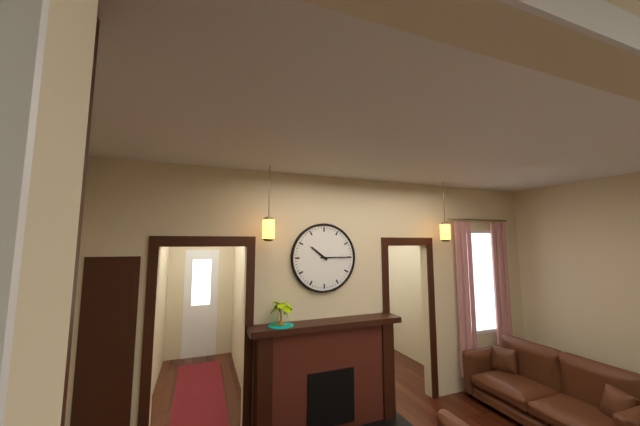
10:15
